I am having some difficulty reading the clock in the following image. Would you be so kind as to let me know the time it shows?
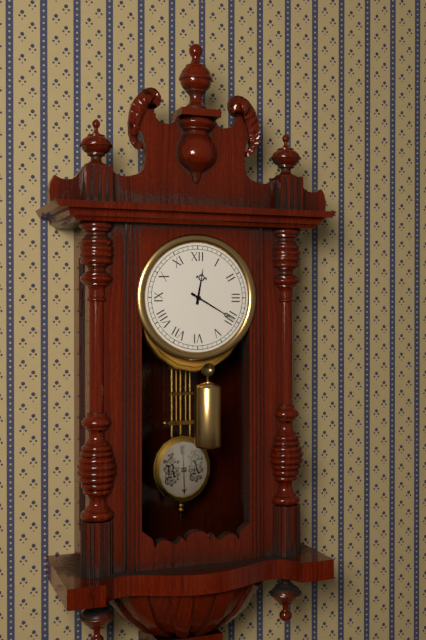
12:20
